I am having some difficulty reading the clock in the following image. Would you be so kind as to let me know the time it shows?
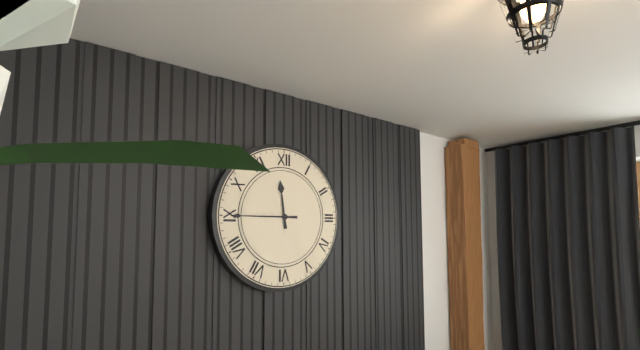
11:45
